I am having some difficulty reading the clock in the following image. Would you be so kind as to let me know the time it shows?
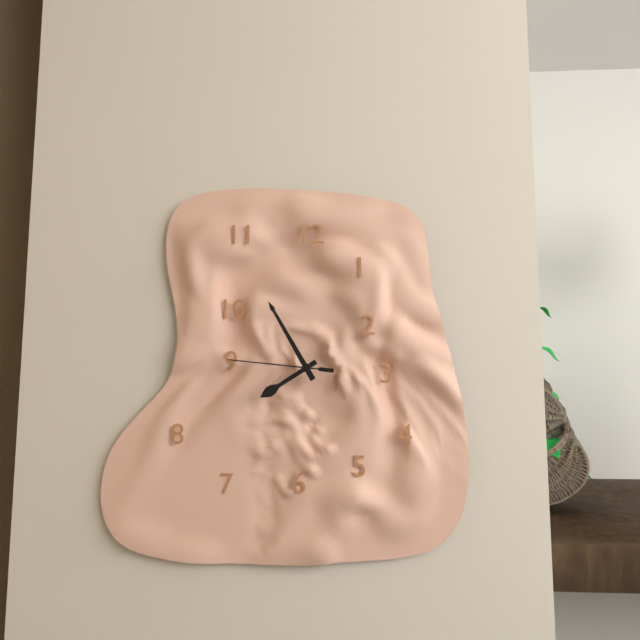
7:55:46
